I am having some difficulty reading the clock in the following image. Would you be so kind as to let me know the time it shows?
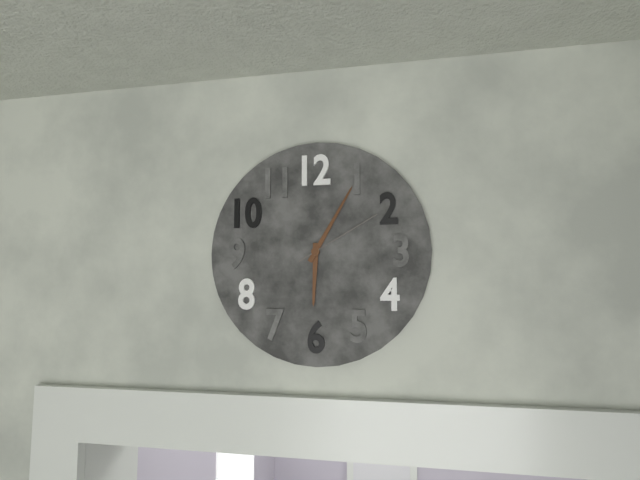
6:05:10
